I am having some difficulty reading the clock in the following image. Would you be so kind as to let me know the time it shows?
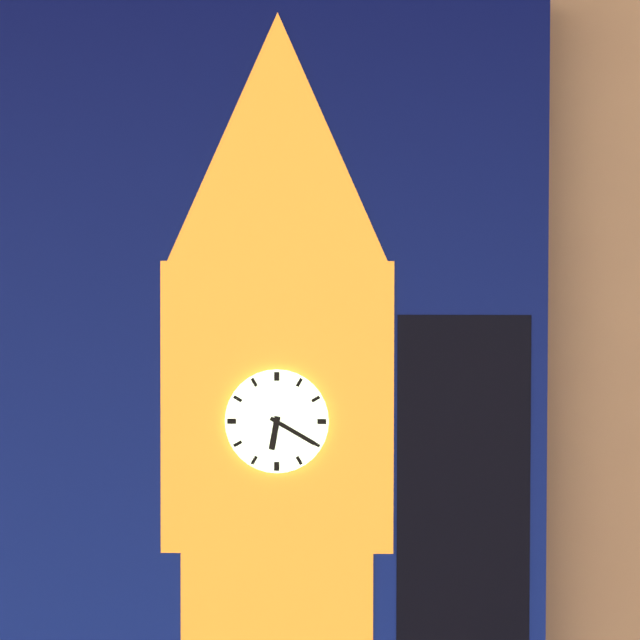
6:20
